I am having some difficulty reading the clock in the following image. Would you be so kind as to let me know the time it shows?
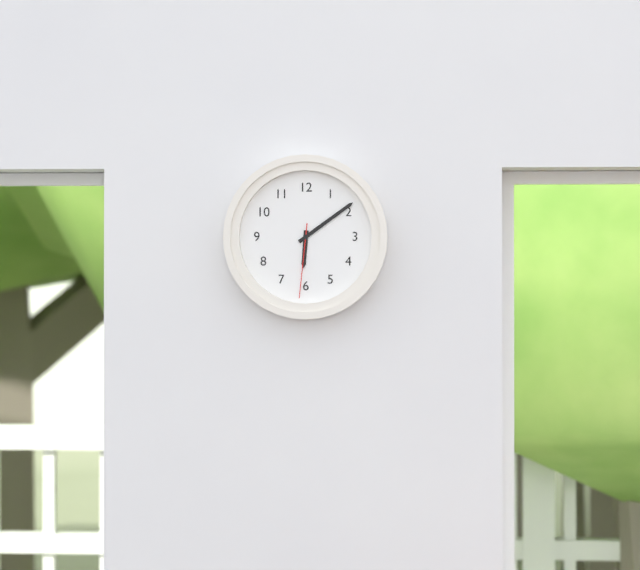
6:09:31
